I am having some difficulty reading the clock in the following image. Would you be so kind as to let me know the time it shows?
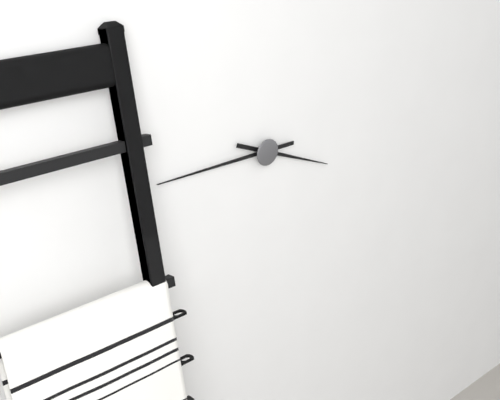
3:45
